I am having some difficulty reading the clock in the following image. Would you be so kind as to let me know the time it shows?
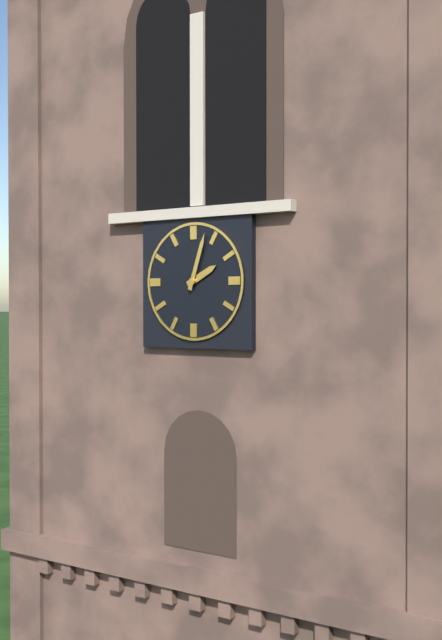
2:03
